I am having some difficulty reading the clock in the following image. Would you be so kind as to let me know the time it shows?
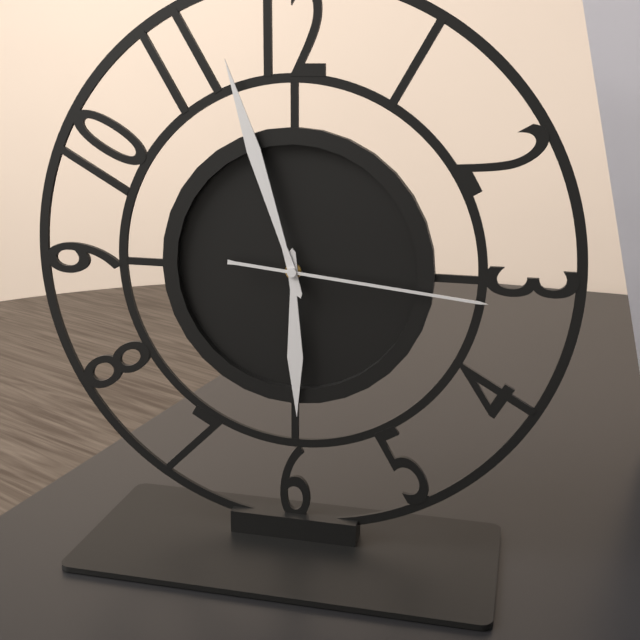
5:57:16
